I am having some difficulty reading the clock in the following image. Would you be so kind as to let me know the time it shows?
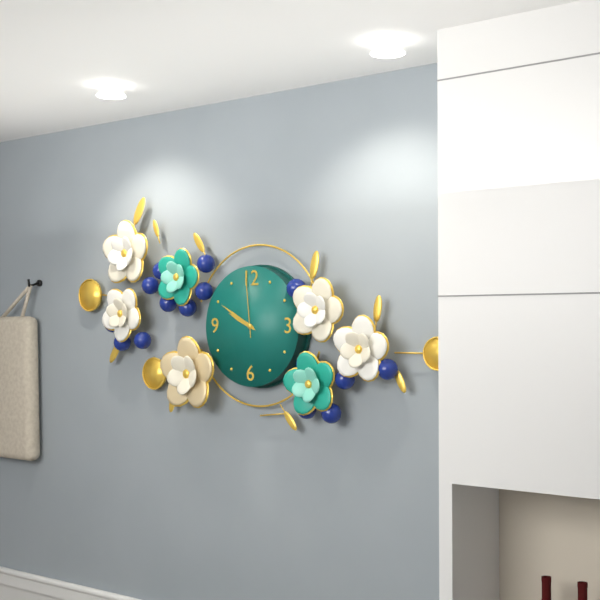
9:50:59
